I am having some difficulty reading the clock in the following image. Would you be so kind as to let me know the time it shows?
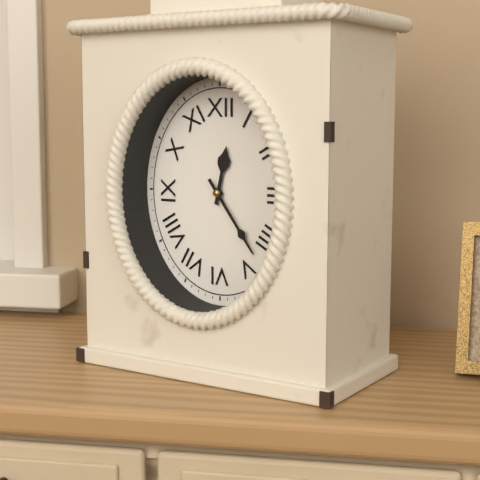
12:24
